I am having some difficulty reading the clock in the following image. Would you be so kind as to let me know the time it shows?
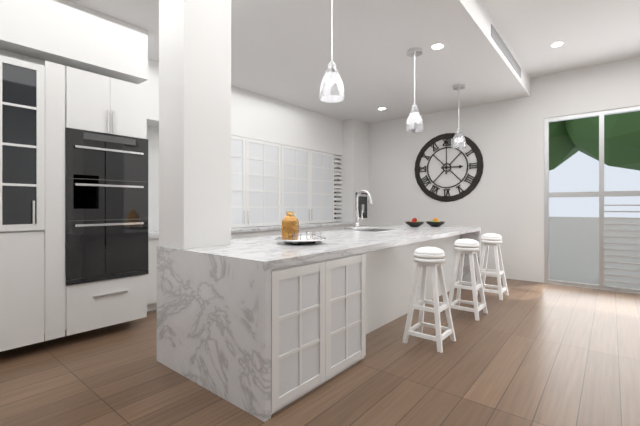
3:00
